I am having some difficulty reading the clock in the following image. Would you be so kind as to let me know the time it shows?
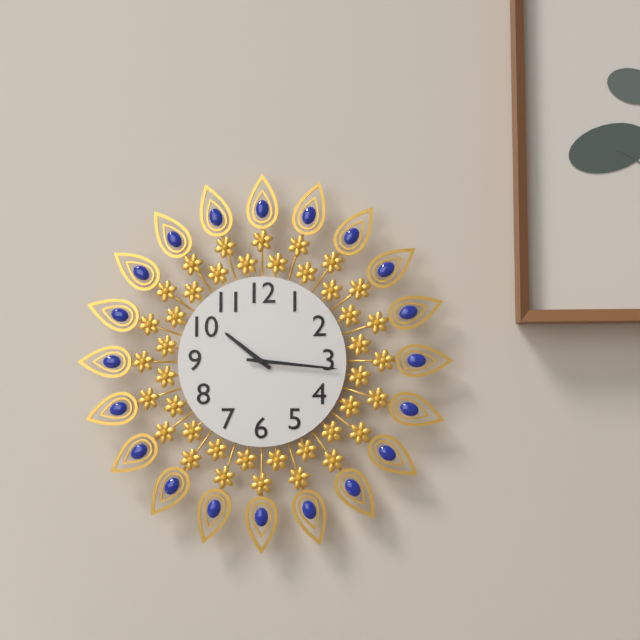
10:16
